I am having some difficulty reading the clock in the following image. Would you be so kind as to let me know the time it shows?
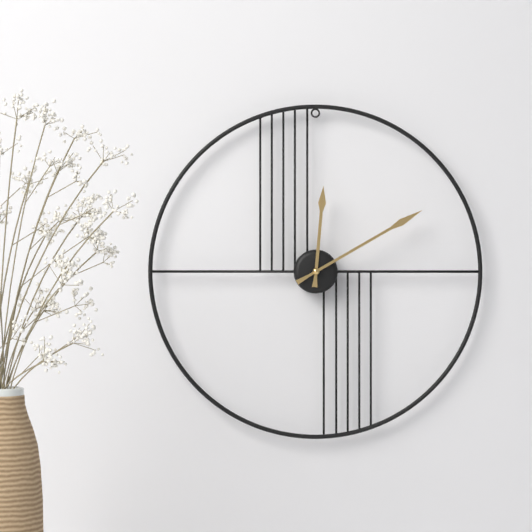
12:10
